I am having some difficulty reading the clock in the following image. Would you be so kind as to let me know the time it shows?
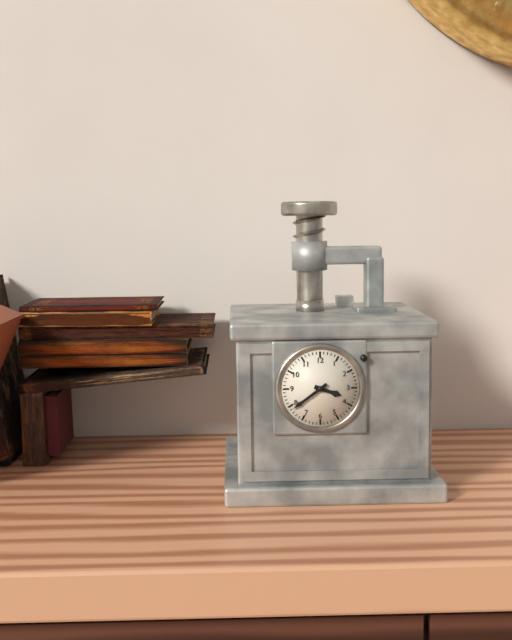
3:39
